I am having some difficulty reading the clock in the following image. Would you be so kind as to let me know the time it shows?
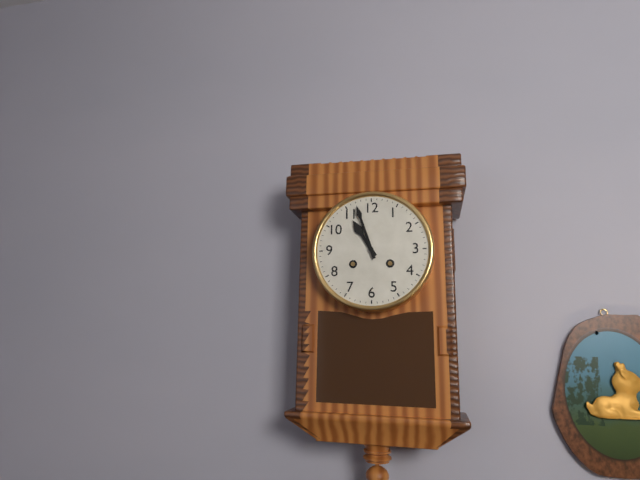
10:57
